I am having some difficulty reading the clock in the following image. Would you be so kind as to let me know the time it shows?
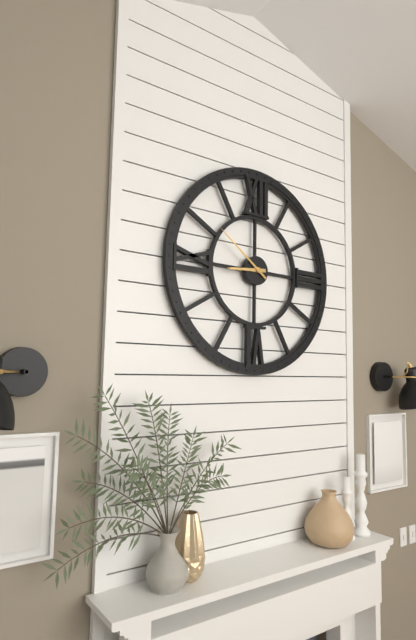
8:51
